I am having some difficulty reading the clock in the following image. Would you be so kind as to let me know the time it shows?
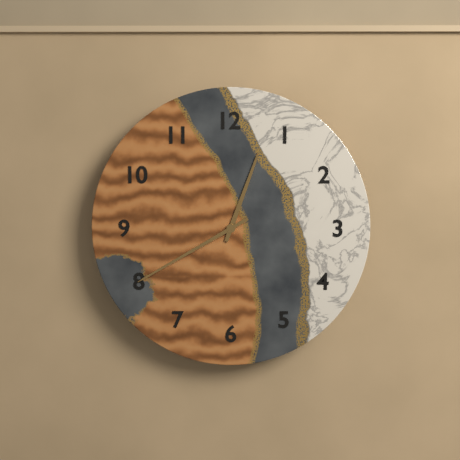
12:40
